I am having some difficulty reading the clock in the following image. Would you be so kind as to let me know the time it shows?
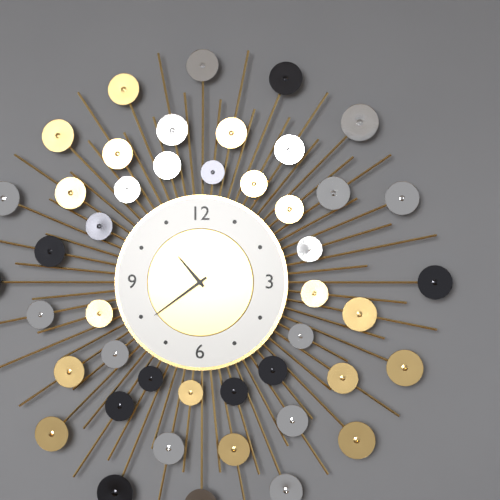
10:39
